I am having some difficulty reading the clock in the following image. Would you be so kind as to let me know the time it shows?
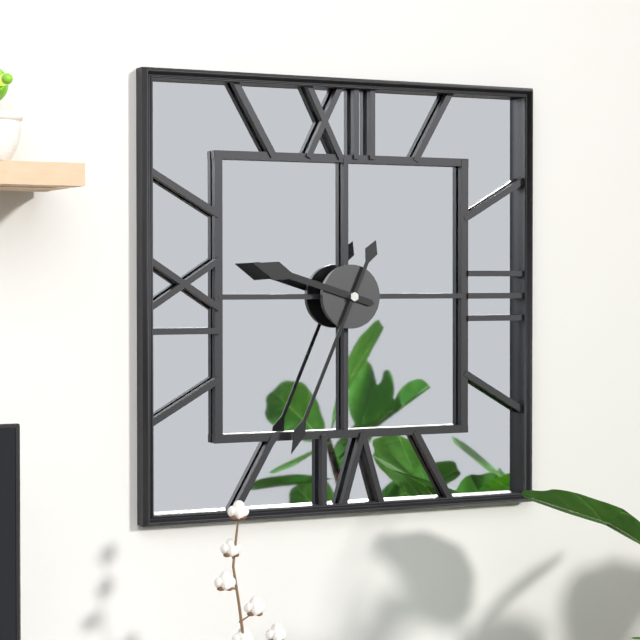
9:34
